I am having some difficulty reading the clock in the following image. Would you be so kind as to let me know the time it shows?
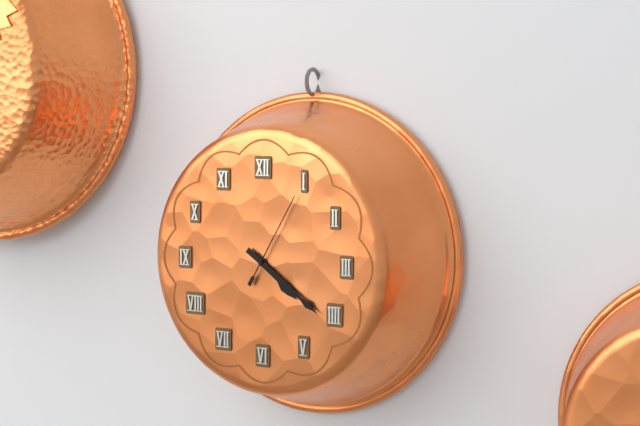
4:21:05
